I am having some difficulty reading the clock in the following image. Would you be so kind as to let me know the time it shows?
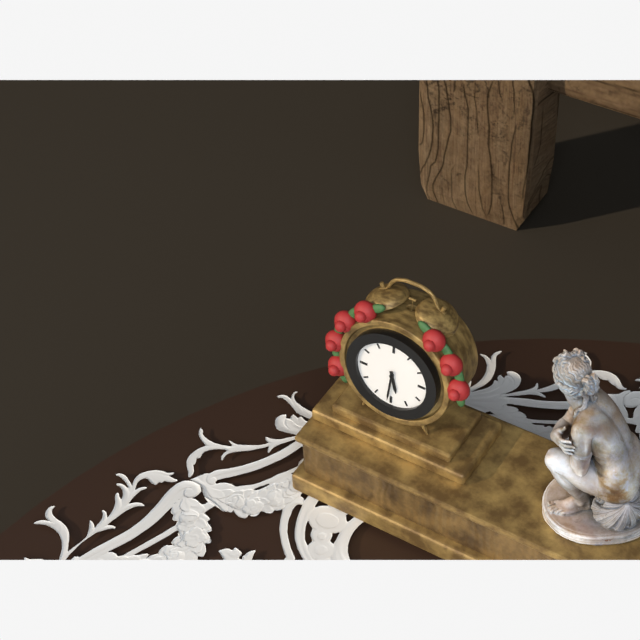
5:31
